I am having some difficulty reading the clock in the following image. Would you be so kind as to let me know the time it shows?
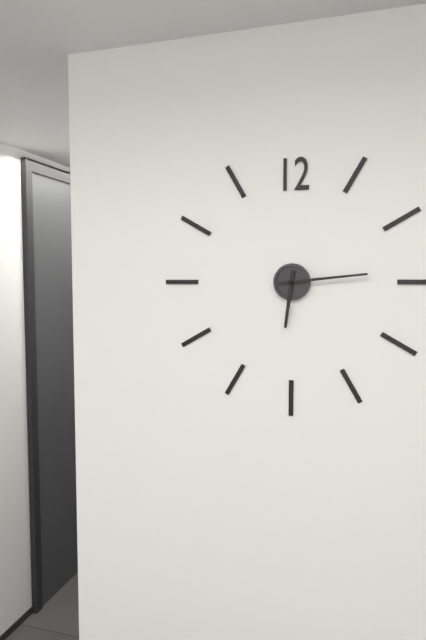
6:14
